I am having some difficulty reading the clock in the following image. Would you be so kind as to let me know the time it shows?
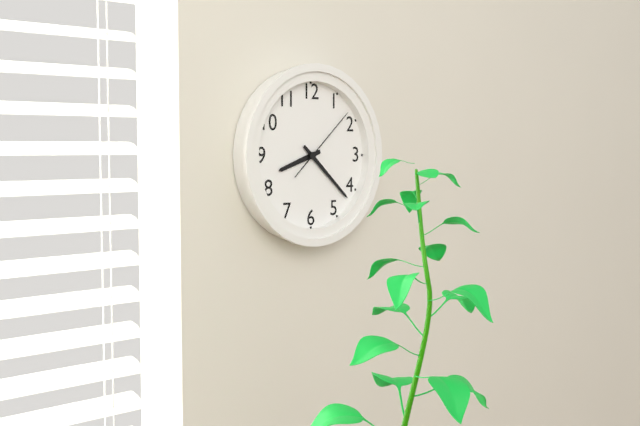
8:22:08
